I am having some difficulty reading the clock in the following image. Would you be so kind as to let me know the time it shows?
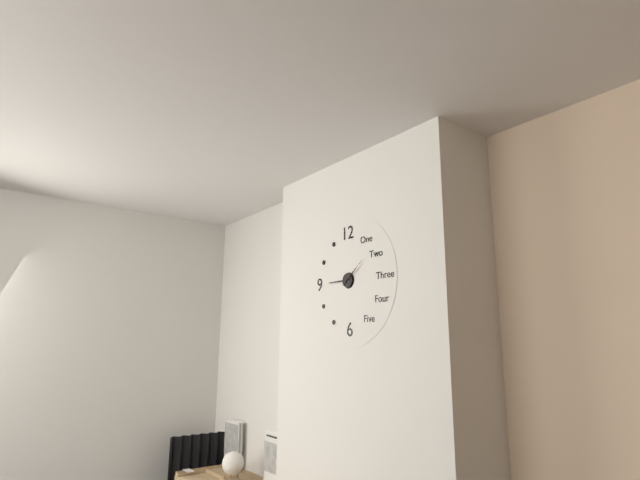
1:45
